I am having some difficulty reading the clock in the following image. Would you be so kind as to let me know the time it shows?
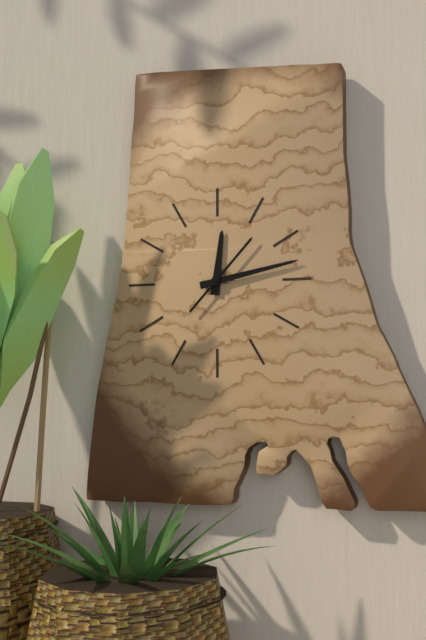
12:13:07
